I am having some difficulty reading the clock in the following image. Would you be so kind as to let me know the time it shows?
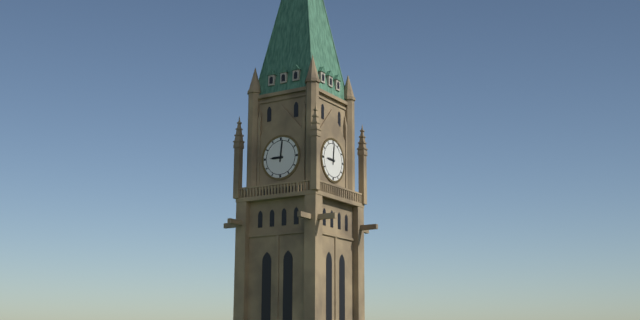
9:01
